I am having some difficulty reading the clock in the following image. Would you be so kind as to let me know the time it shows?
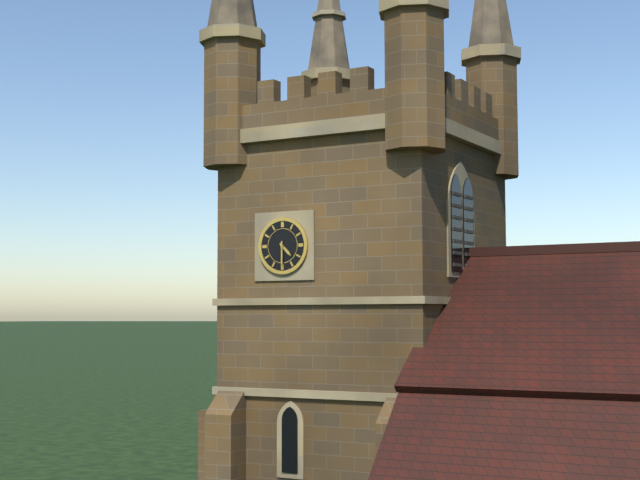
4:30
